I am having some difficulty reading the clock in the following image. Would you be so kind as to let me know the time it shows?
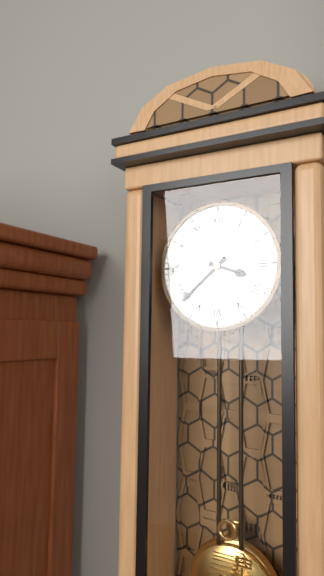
3:38
